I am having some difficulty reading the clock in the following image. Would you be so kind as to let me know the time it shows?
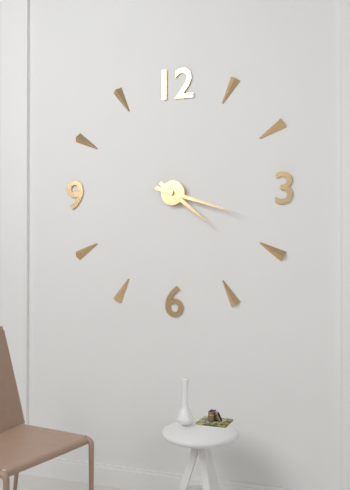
4:18
